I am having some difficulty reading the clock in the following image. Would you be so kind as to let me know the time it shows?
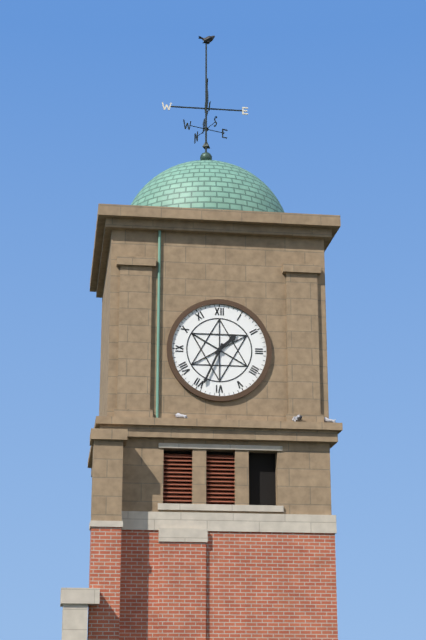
1:34
